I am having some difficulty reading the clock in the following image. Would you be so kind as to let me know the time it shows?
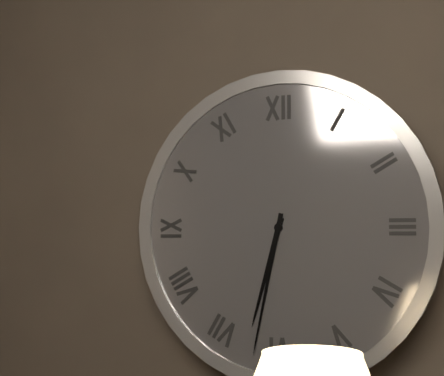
6:32
